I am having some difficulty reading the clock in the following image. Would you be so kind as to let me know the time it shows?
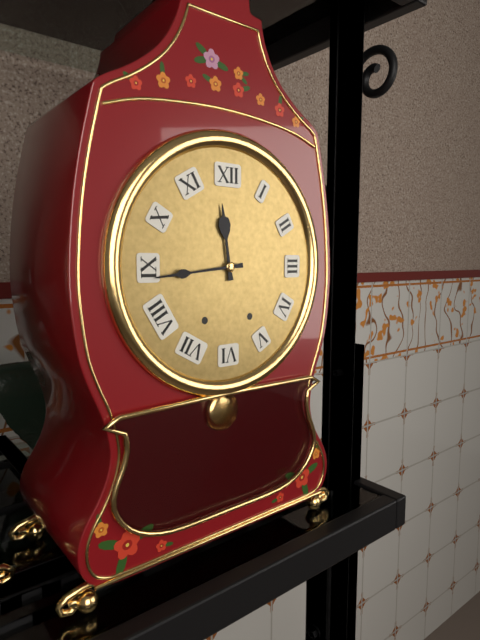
11:44
